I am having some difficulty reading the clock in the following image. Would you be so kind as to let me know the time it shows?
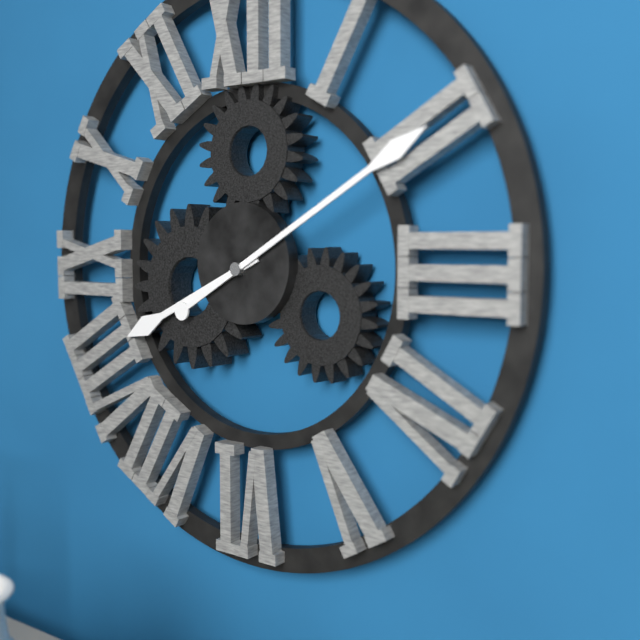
8:10
